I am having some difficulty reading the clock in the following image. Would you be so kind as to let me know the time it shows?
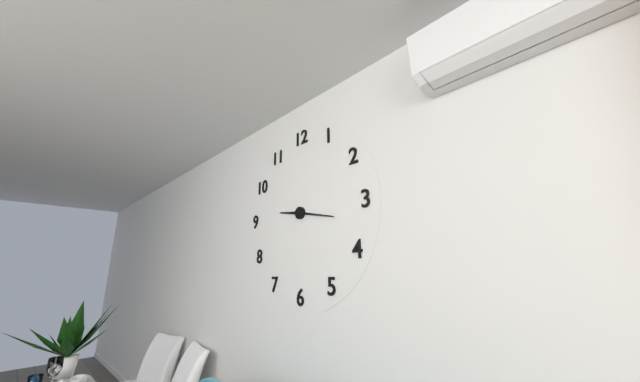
9:17
